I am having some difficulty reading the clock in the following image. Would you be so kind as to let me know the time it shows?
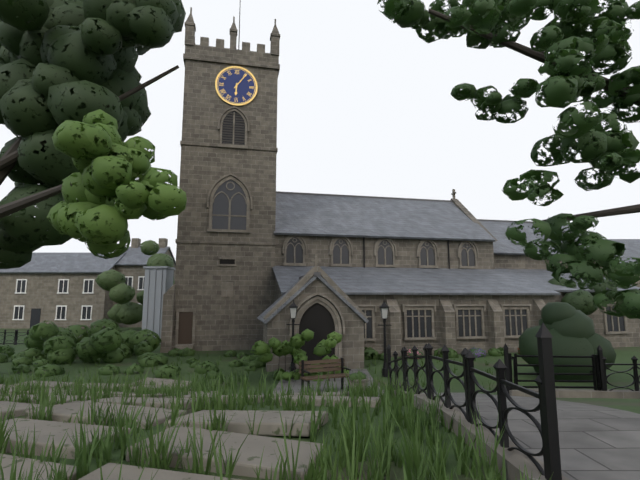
6:06
